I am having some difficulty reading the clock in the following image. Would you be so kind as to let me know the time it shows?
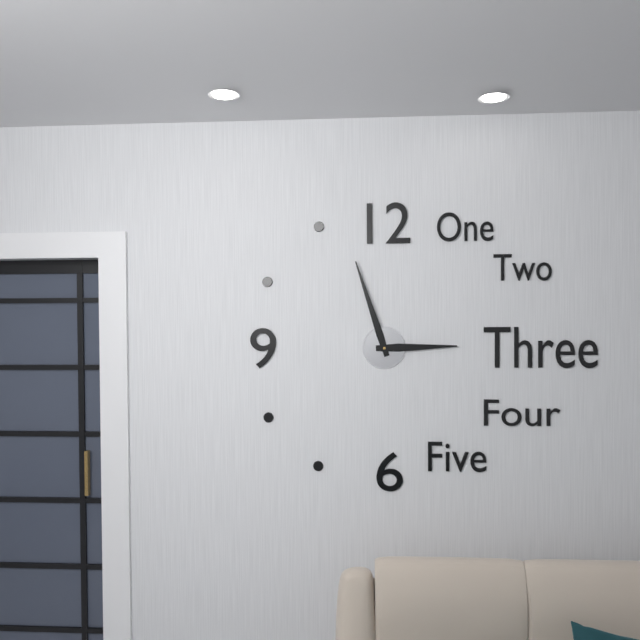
2:57
